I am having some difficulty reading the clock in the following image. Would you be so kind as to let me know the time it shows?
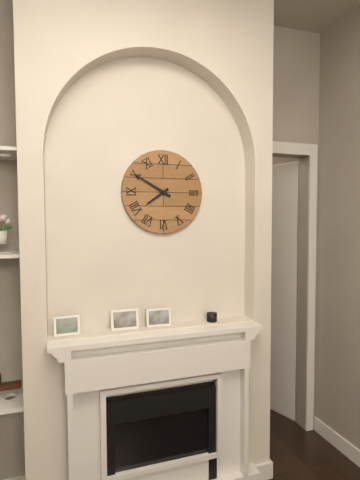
7:50
